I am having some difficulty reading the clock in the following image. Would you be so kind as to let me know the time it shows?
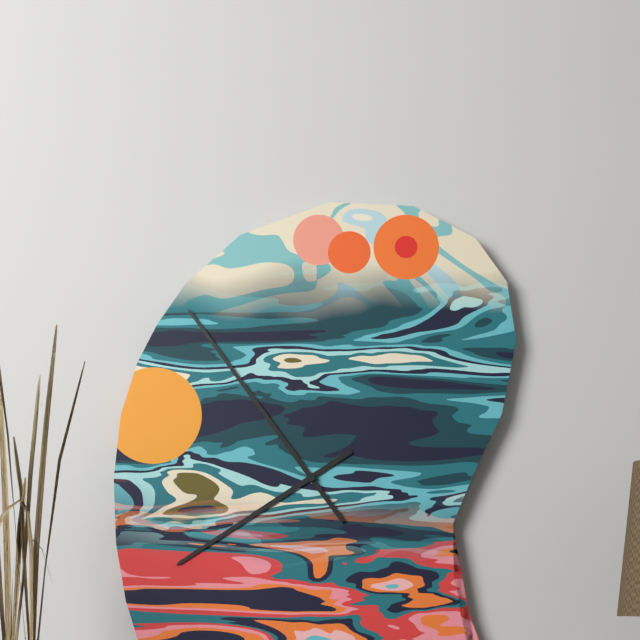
7:54
